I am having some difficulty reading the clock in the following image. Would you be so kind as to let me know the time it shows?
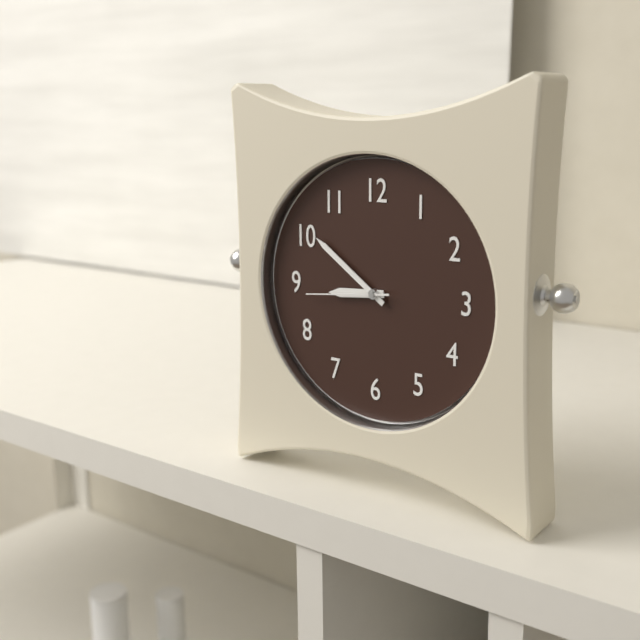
8:51:44
